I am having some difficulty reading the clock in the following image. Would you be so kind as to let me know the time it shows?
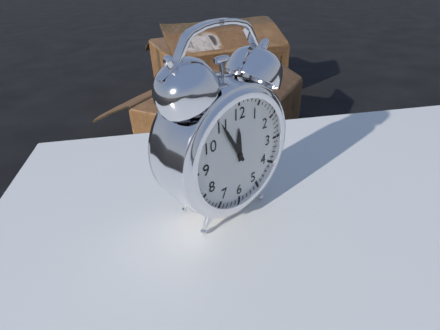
11:55
